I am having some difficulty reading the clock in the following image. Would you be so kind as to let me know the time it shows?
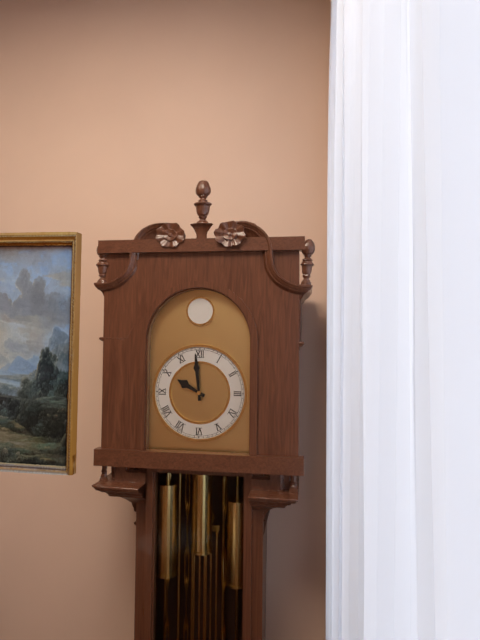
9:59
